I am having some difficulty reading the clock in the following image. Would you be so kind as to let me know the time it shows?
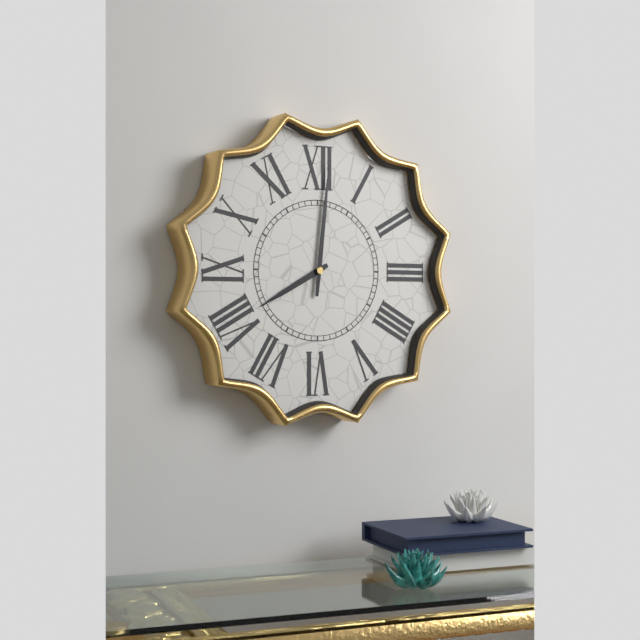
8:01
